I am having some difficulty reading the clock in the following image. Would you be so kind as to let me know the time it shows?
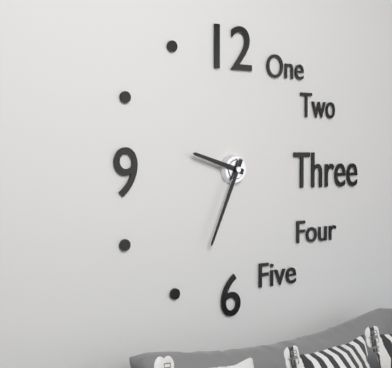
9:34
